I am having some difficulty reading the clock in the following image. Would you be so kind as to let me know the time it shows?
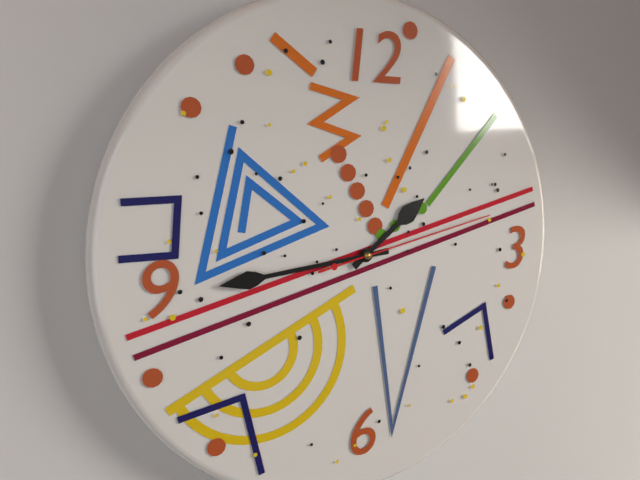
1:44:13
